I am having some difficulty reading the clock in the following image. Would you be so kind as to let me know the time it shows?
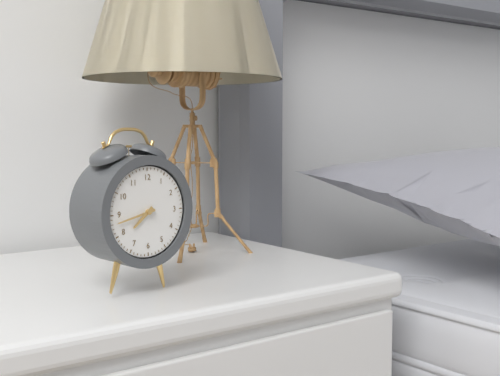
7:43
